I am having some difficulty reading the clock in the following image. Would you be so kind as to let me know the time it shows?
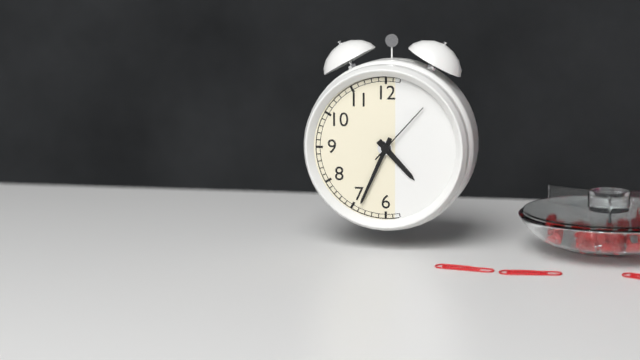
4:34:07
